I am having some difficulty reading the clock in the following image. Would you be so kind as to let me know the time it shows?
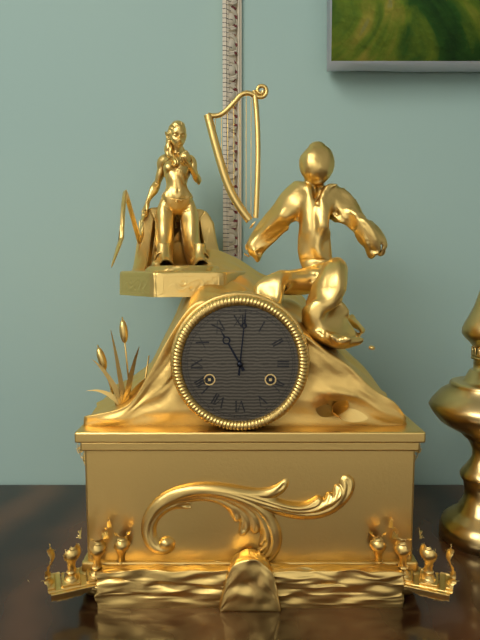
11:01
